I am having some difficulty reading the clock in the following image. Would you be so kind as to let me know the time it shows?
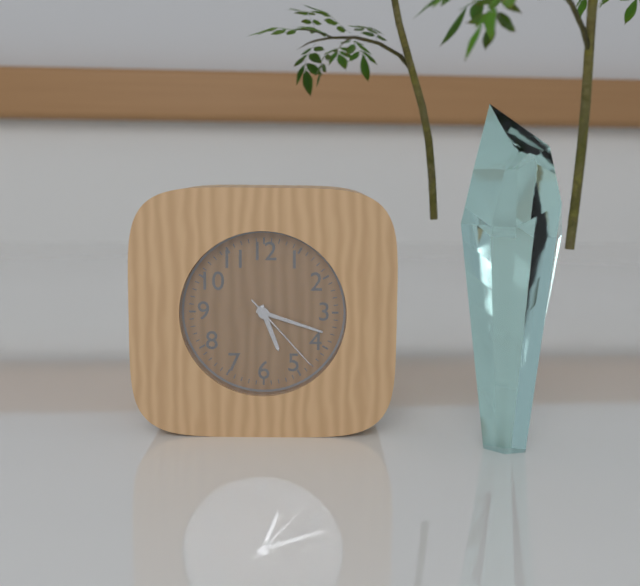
5:18:23
